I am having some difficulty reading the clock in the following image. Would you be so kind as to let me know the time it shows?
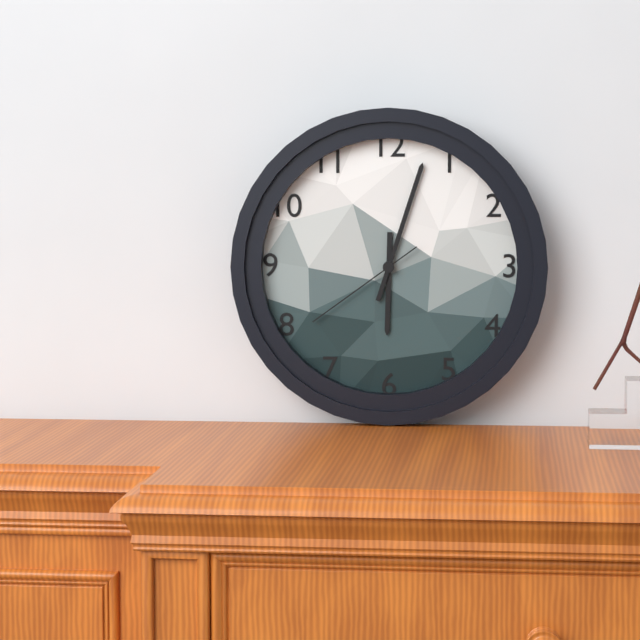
6:03:39
